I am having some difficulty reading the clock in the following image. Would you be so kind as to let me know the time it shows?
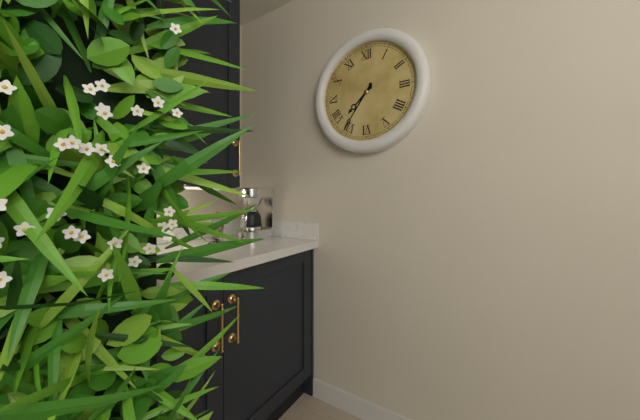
7:36
